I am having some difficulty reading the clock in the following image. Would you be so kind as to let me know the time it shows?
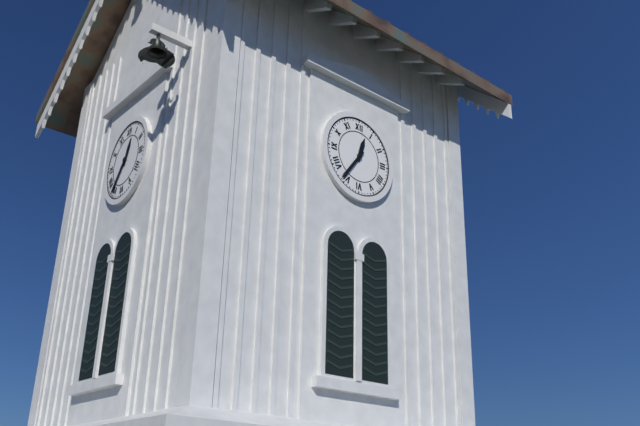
12:36
